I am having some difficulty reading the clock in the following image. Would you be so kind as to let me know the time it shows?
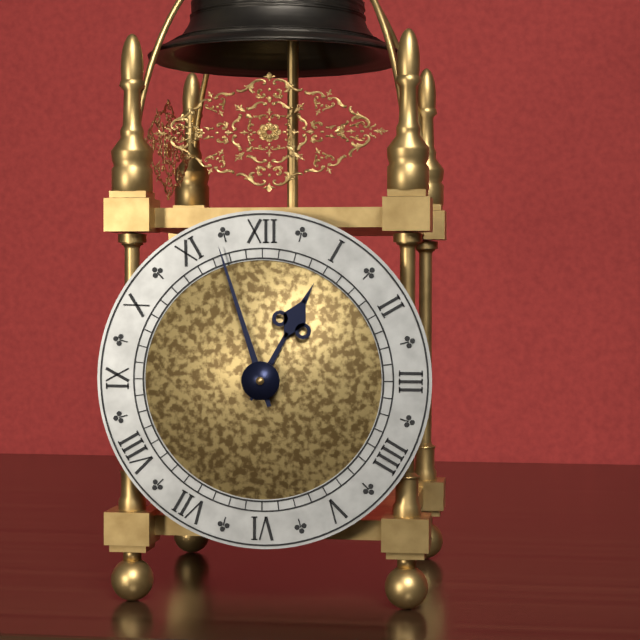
12:57
